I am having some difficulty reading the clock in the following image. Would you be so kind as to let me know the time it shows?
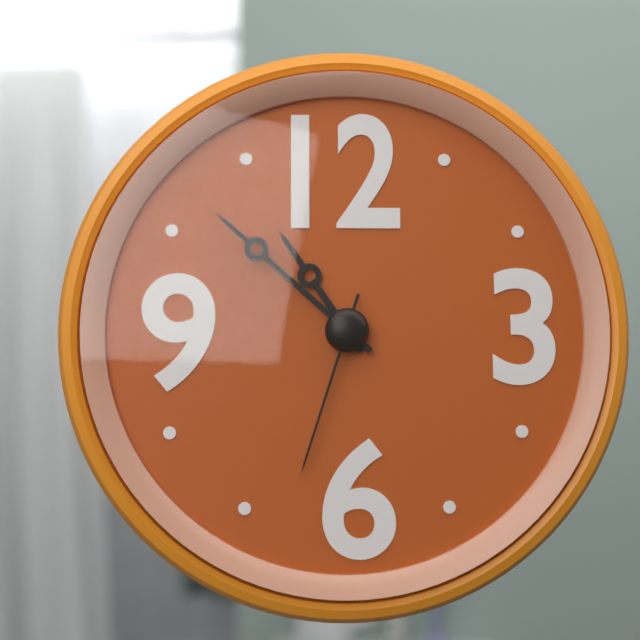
10:52:33
